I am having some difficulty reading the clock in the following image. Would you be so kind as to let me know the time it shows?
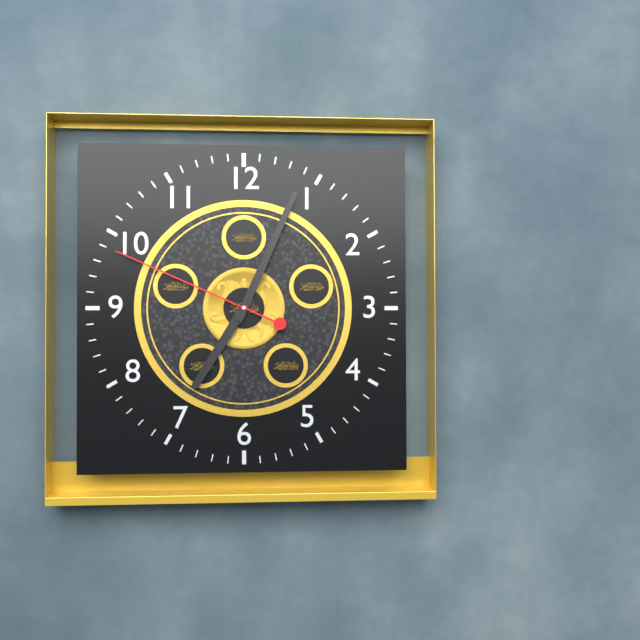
7:04:49
